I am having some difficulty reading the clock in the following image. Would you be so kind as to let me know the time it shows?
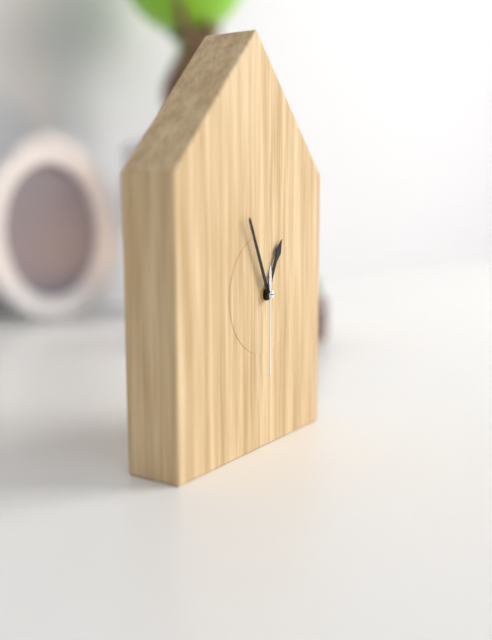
12:56:30
